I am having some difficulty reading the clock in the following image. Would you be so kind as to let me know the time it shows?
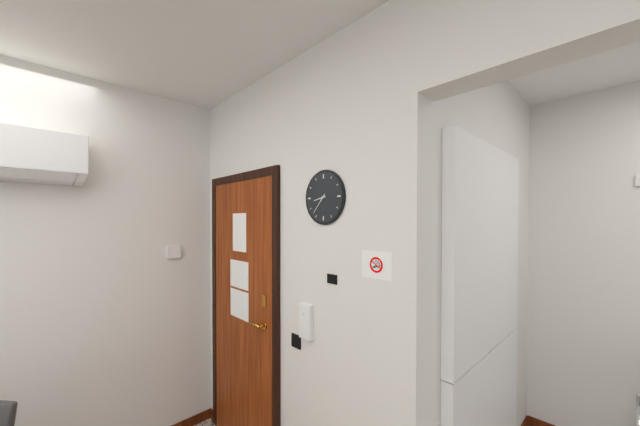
8:37
